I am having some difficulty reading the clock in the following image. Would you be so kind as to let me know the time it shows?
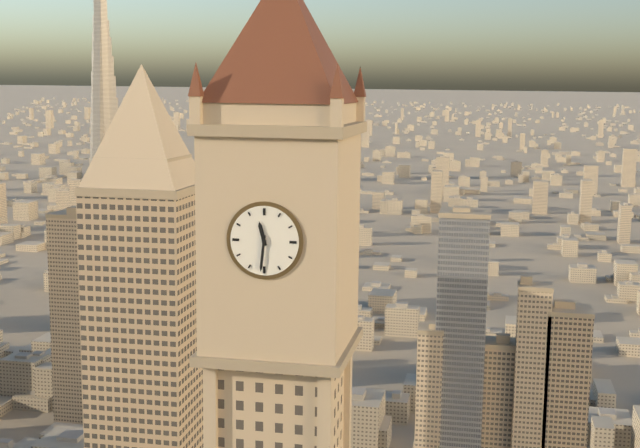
11:31
